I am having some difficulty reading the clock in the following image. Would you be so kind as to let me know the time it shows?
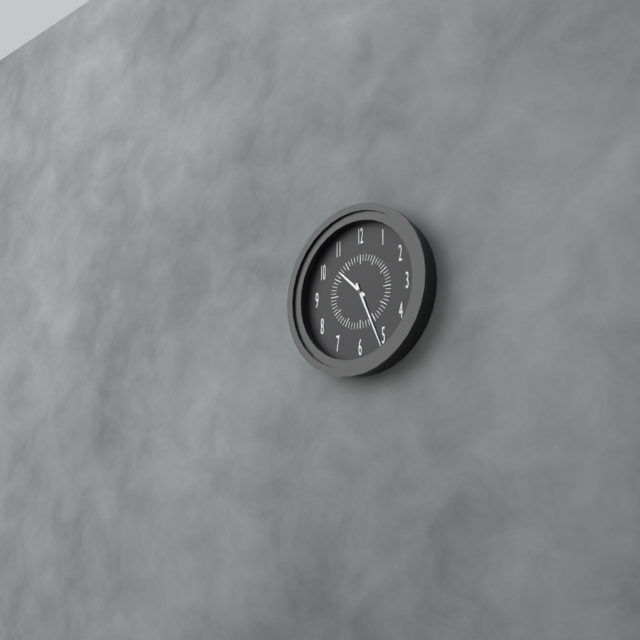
10:26
